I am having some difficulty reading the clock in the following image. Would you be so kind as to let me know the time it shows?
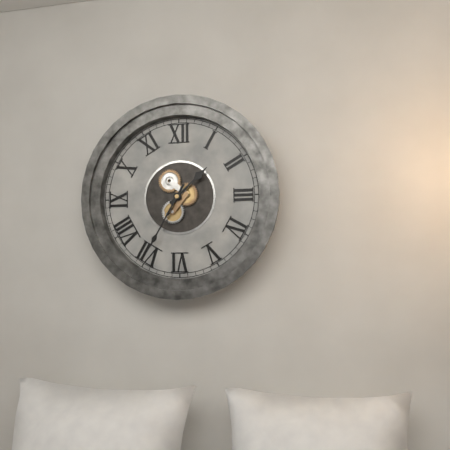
1:35
